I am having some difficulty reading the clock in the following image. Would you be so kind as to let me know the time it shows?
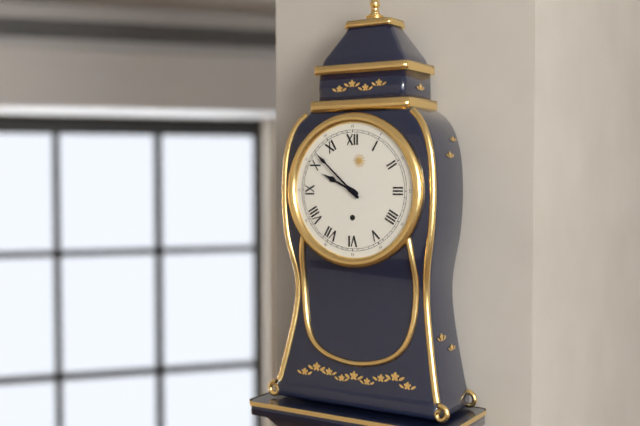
9:52
